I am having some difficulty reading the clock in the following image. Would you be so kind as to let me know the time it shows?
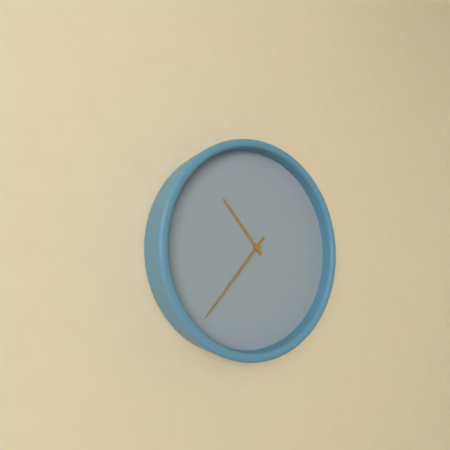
10:37
